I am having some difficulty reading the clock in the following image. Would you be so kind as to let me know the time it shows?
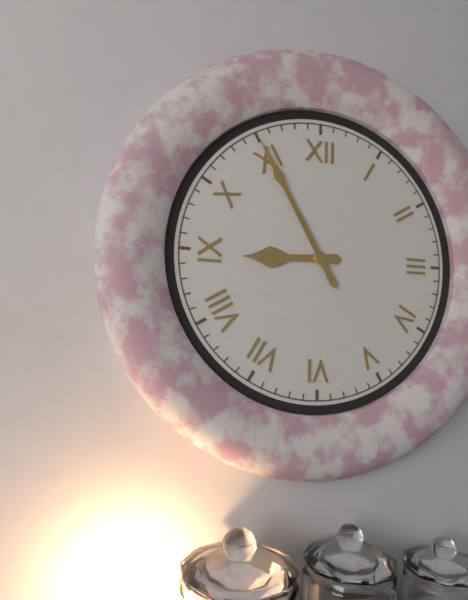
8:55
